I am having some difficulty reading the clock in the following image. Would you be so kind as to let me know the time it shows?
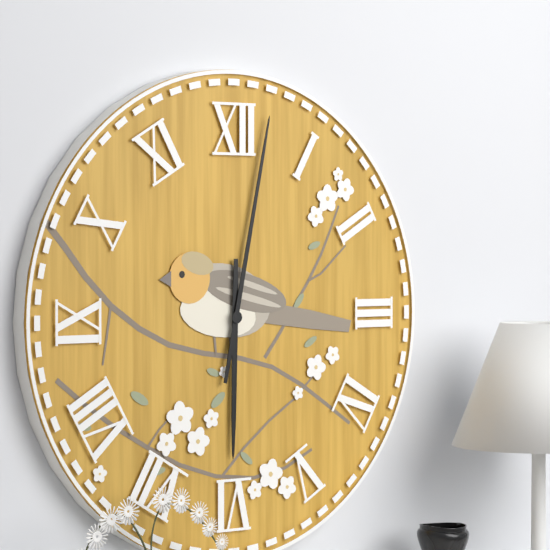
6:02
